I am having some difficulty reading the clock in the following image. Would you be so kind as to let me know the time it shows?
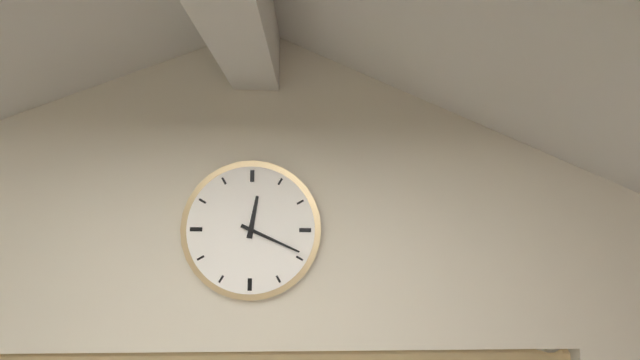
12:19
